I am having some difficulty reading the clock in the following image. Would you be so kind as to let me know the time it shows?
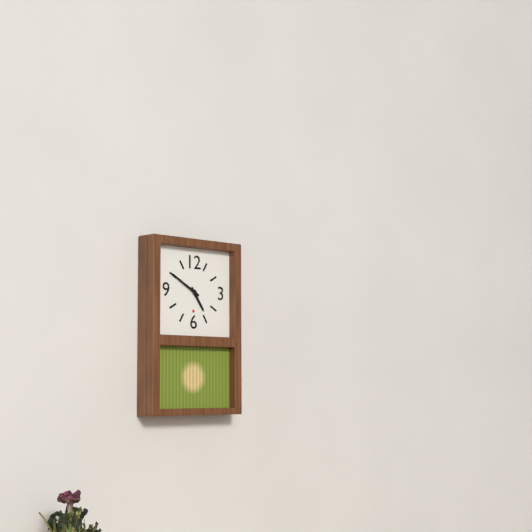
4:50
